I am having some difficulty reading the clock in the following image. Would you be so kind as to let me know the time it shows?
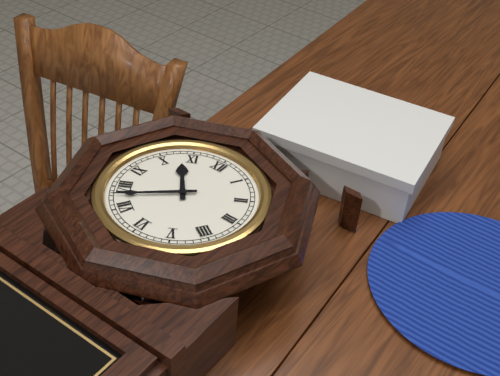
10:38
